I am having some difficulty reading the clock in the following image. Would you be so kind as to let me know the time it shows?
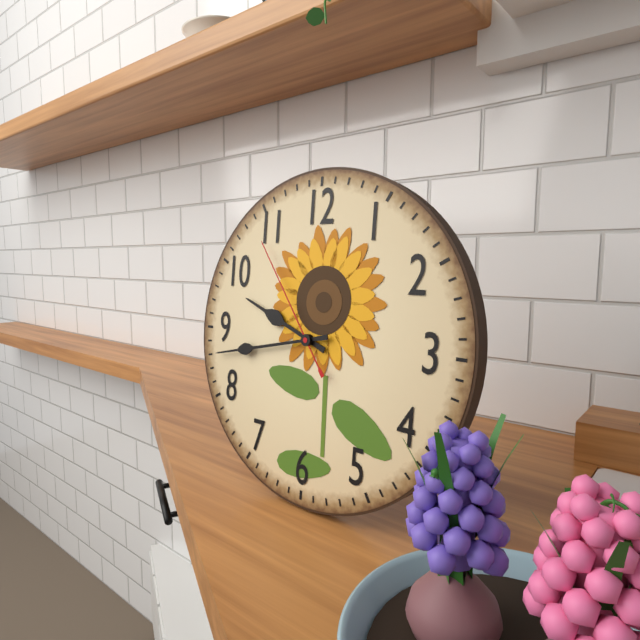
9:43:54
